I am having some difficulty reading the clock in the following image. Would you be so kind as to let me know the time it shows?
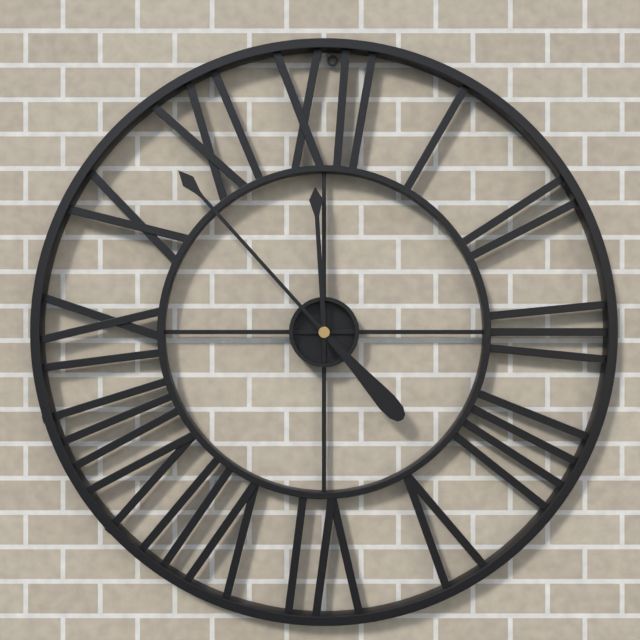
11:53
